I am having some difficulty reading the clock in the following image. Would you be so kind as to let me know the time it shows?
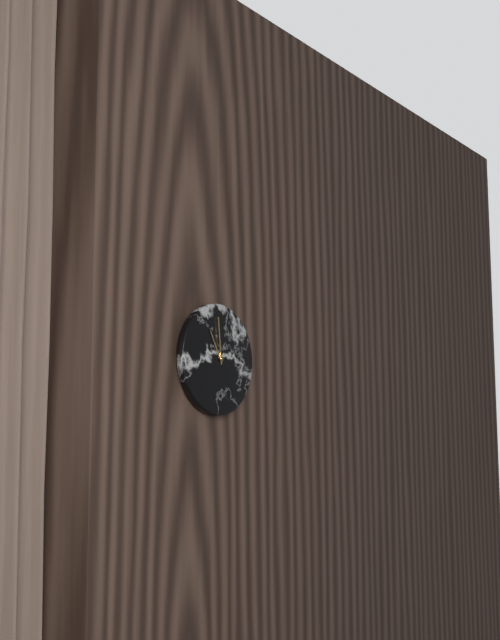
10:59
